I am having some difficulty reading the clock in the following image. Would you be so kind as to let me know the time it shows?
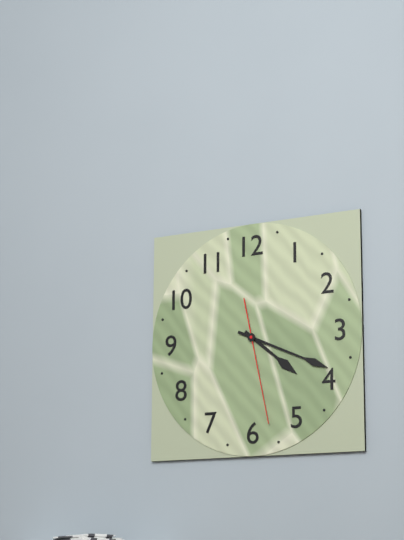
4:19:28
